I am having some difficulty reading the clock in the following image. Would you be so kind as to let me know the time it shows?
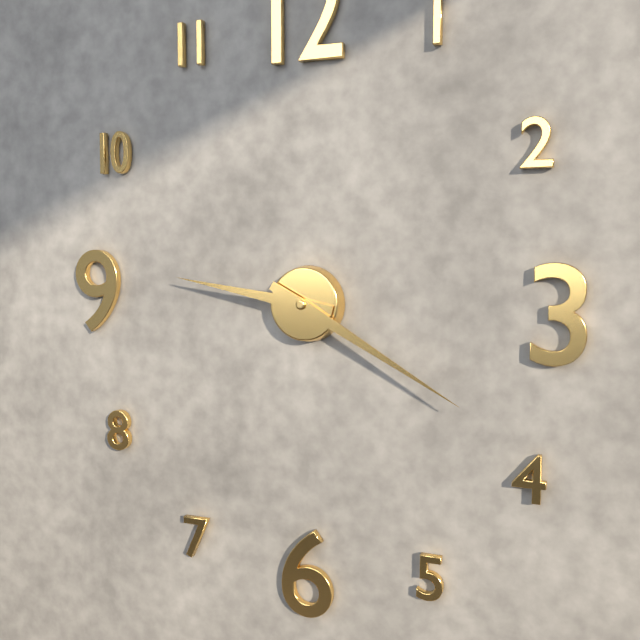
9:20
